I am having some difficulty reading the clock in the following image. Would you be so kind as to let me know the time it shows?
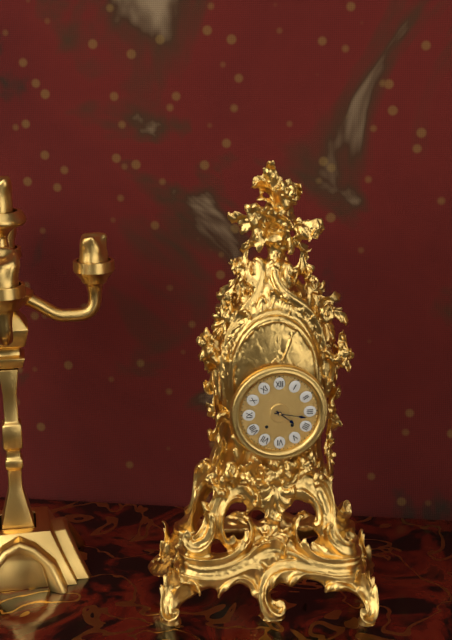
4:17
